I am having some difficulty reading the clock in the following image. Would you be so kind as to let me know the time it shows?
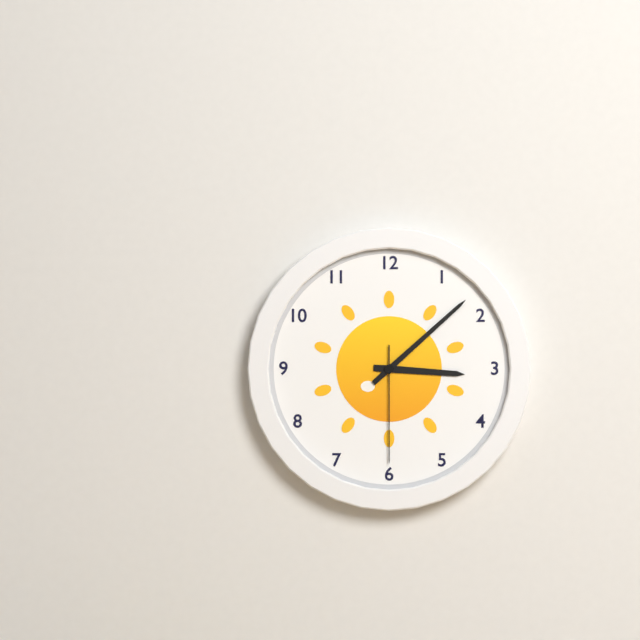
3:08:30
